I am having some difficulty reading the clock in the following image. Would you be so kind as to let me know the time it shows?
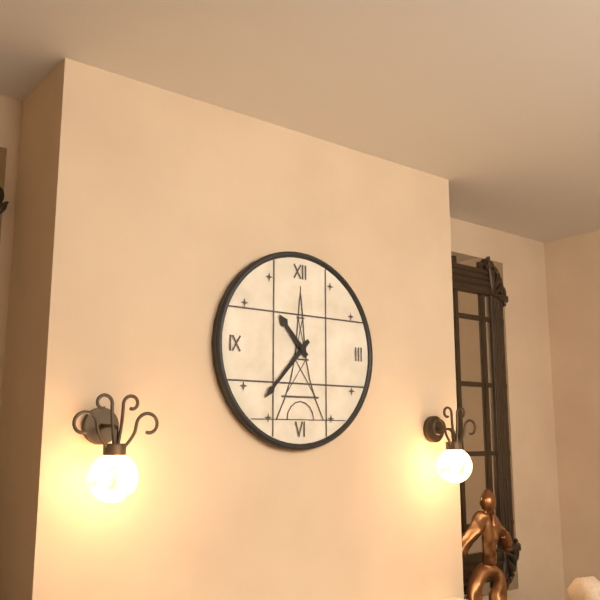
10:37
